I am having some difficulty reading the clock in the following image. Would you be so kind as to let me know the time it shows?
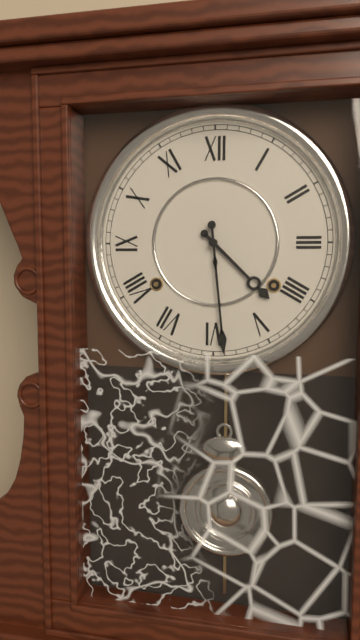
4:29
